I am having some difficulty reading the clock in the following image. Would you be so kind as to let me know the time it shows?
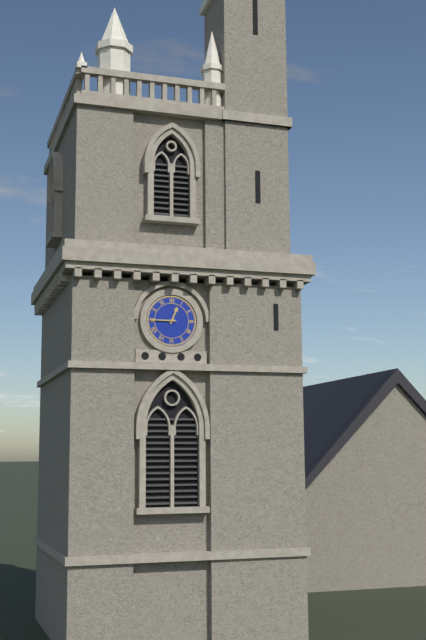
12:45
